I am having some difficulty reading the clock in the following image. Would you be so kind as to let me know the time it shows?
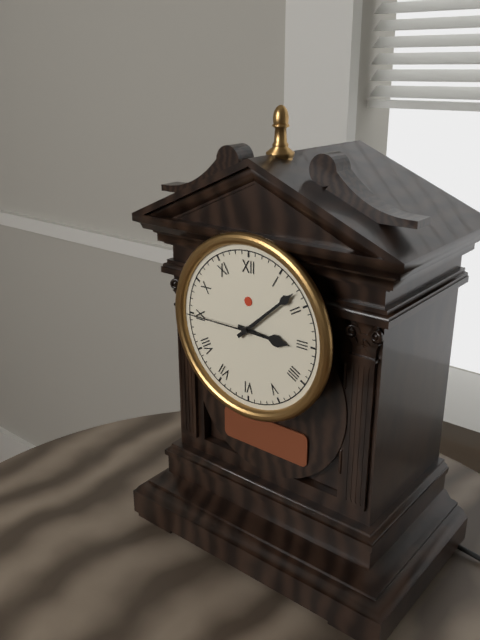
3:08:45
